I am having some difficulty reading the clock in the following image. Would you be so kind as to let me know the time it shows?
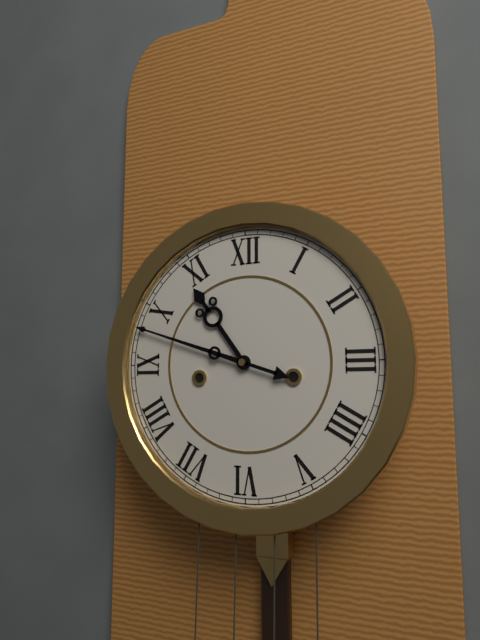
10:48
